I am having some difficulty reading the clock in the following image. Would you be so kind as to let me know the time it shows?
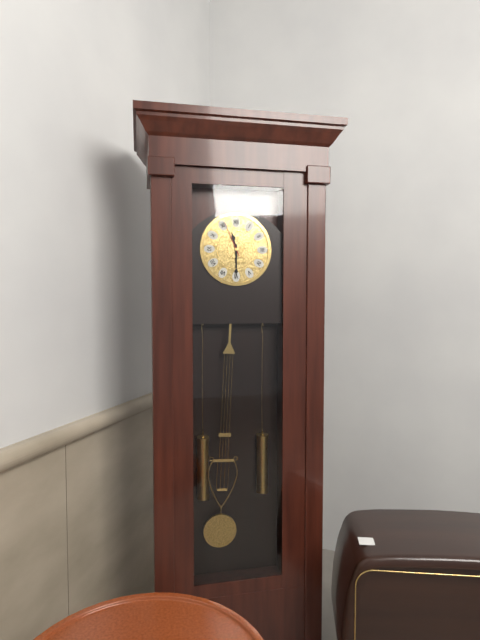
11:30
